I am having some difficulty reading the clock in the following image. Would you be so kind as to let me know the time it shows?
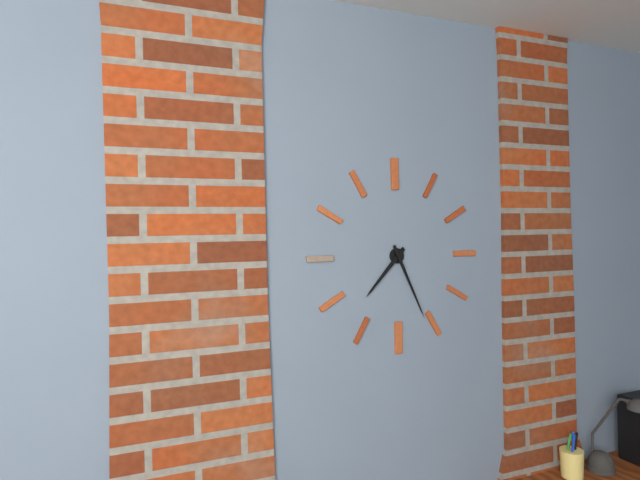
7:26
